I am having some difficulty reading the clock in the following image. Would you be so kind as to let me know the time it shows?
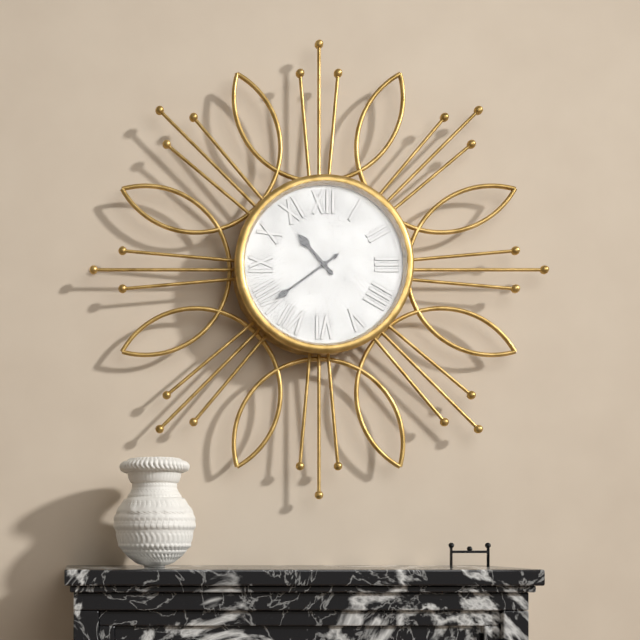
10:39
